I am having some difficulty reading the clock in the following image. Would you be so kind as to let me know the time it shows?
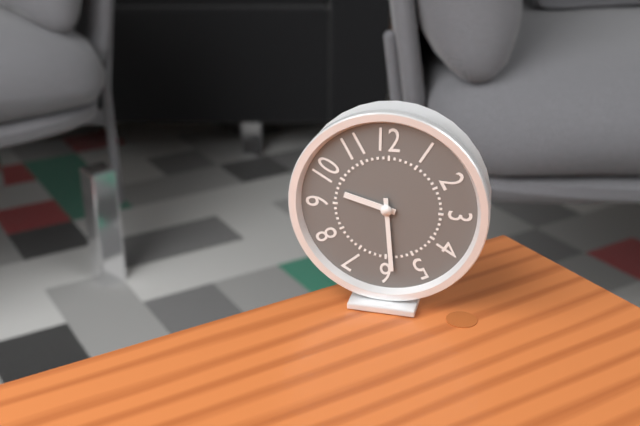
9:29
